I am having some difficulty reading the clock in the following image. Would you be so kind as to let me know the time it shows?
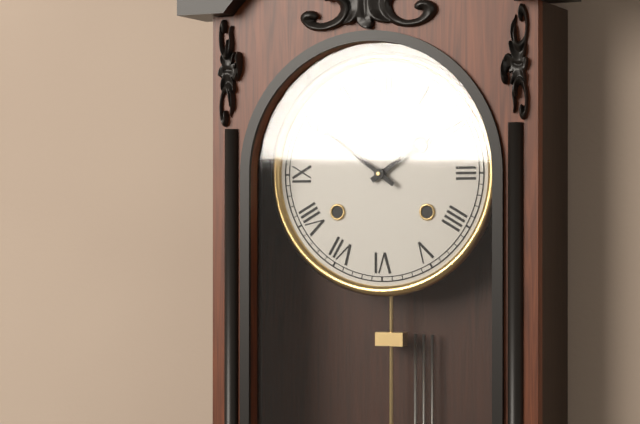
1:51
